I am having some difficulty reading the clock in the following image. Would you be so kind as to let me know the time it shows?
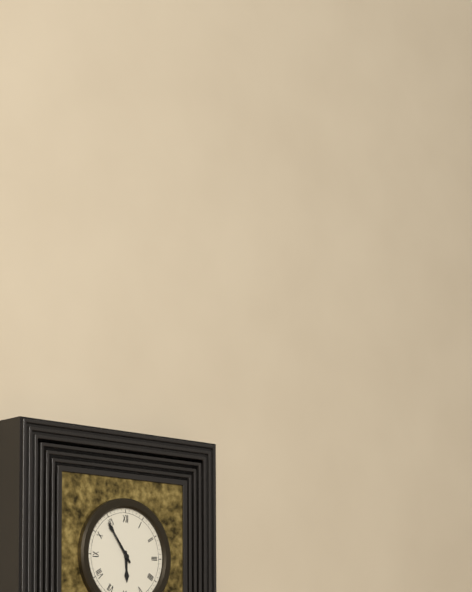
5:54
